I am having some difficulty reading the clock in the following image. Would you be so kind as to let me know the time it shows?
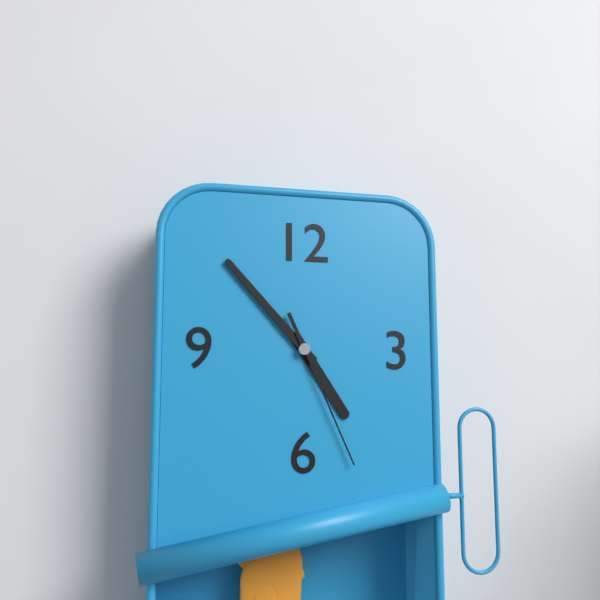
4:53:26
